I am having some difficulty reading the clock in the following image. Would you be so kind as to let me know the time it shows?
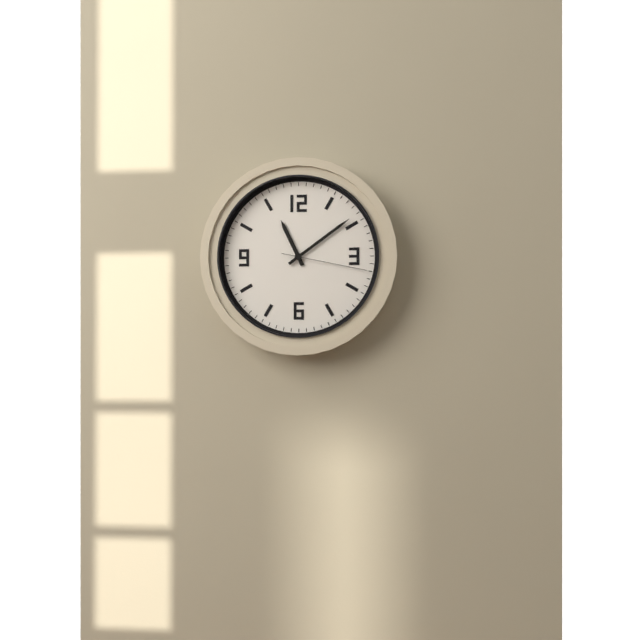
11:09:17
